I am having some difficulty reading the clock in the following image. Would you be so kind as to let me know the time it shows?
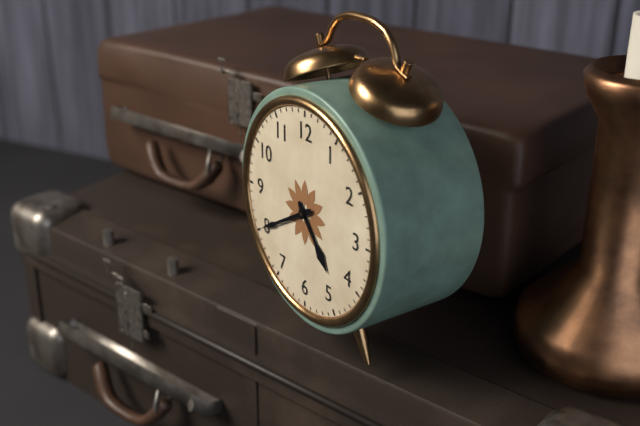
4:40
